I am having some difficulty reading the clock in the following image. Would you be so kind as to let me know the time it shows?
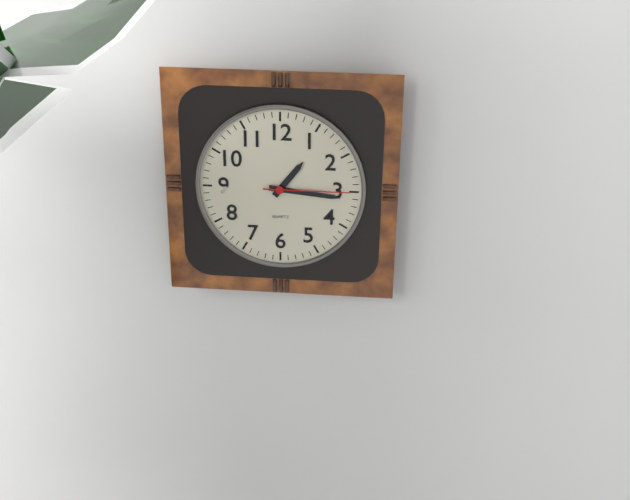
1:16:15
